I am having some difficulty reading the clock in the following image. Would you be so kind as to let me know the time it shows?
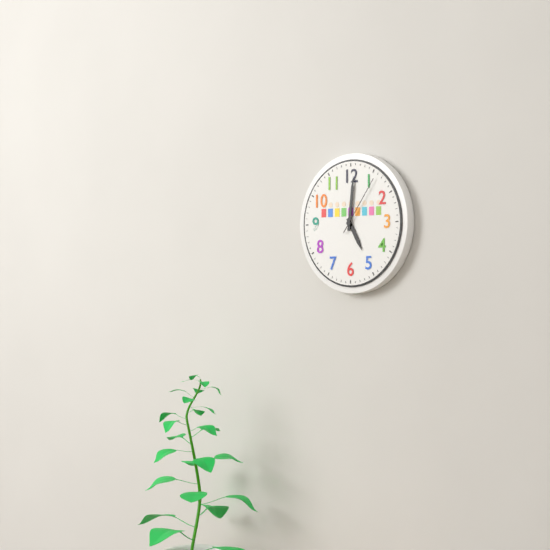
5:01:06
